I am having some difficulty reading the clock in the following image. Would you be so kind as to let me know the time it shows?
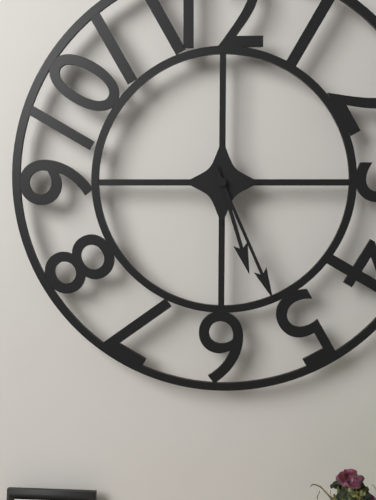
5:26
